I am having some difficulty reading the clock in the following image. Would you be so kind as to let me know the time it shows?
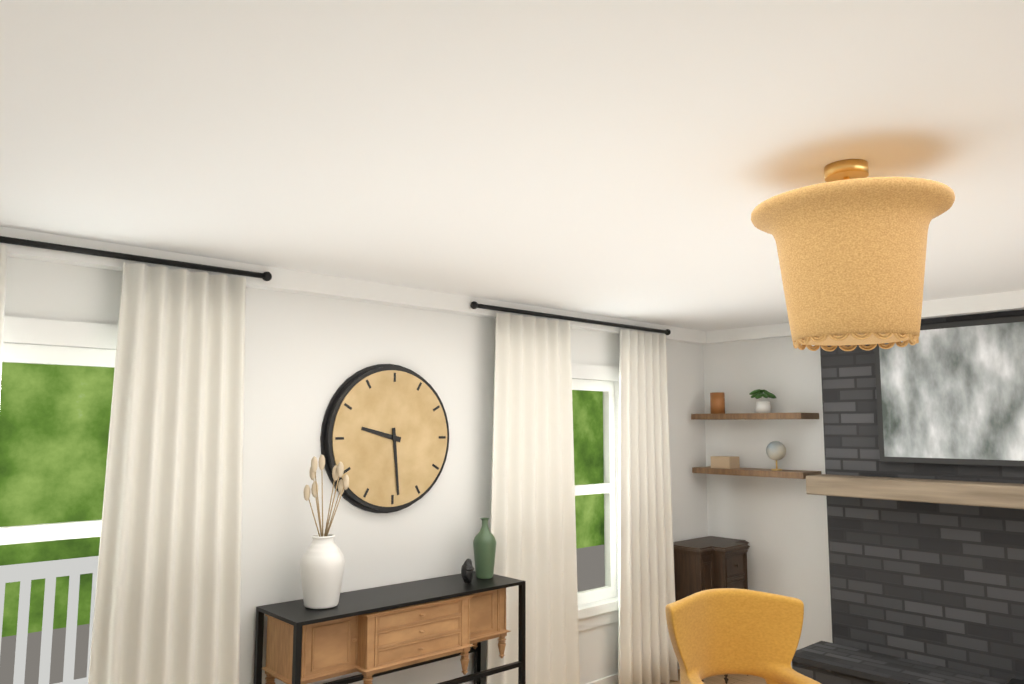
9:29
